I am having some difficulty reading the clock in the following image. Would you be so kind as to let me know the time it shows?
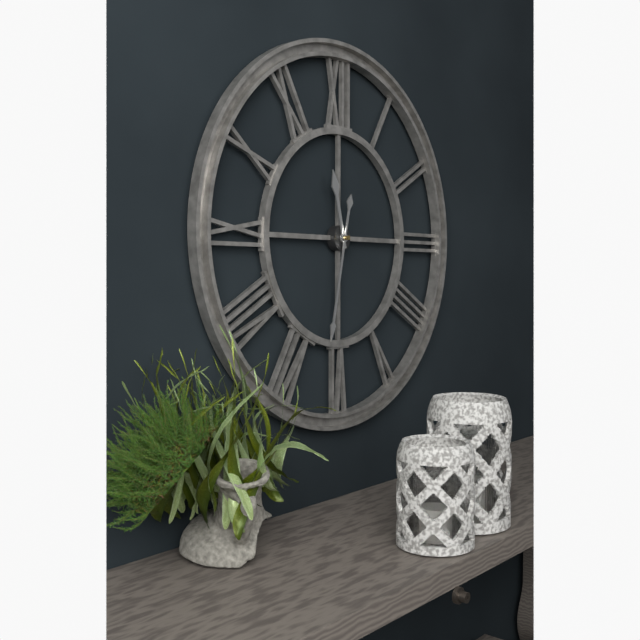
11:32
